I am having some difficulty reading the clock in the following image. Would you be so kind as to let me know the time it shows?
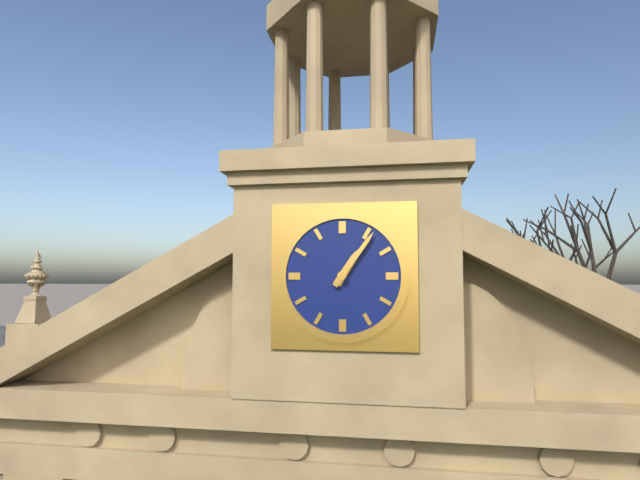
1:06
